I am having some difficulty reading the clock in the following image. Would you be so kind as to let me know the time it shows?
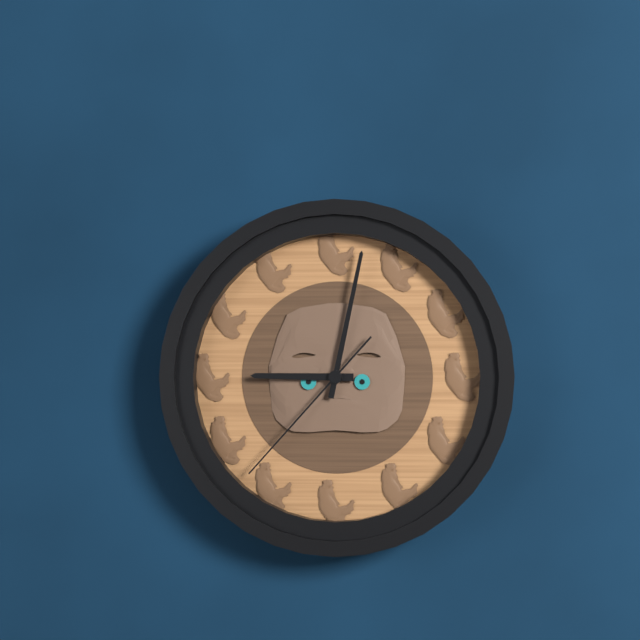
9:02:37
